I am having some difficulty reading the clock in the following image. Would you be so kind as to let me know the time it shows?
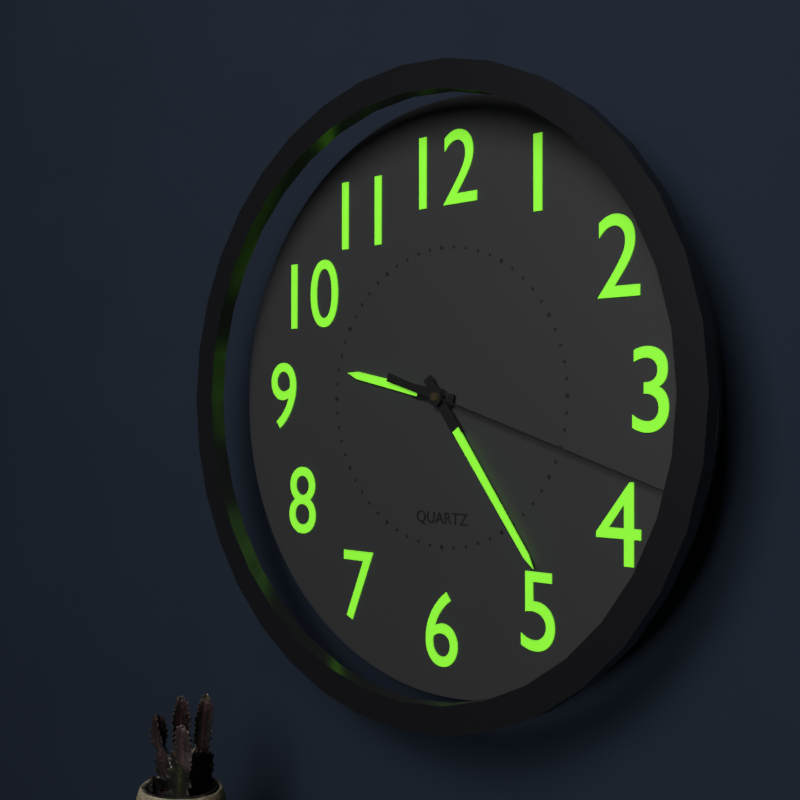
9:24:18
